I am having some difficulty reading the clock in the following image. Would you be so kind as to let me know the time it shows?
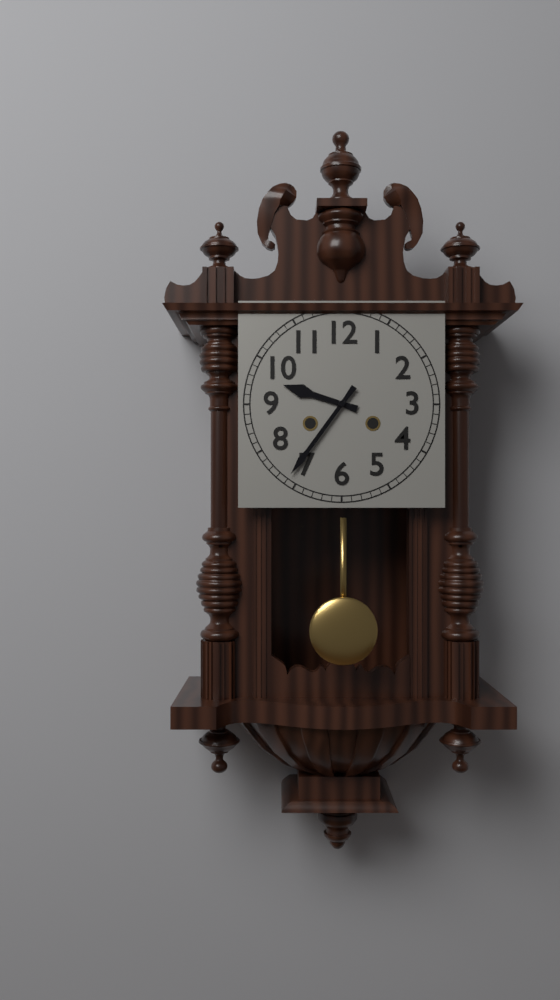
9:36
